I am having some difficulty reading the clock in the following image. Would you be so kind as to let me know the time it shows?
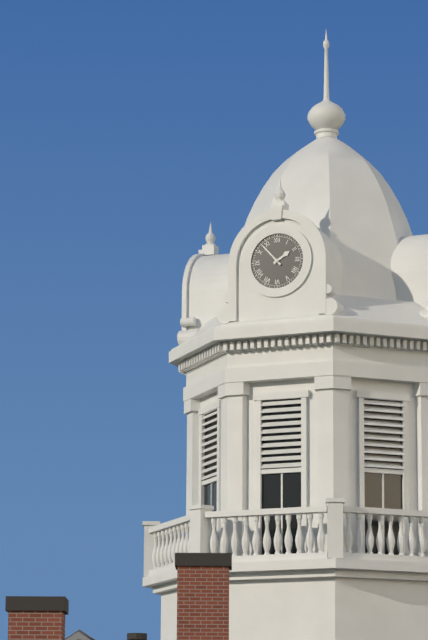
1:53
